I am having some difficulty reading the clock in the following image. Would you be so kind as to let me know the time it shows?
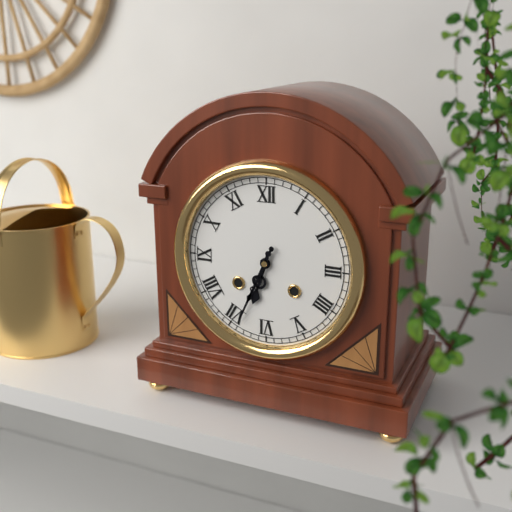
6:34
